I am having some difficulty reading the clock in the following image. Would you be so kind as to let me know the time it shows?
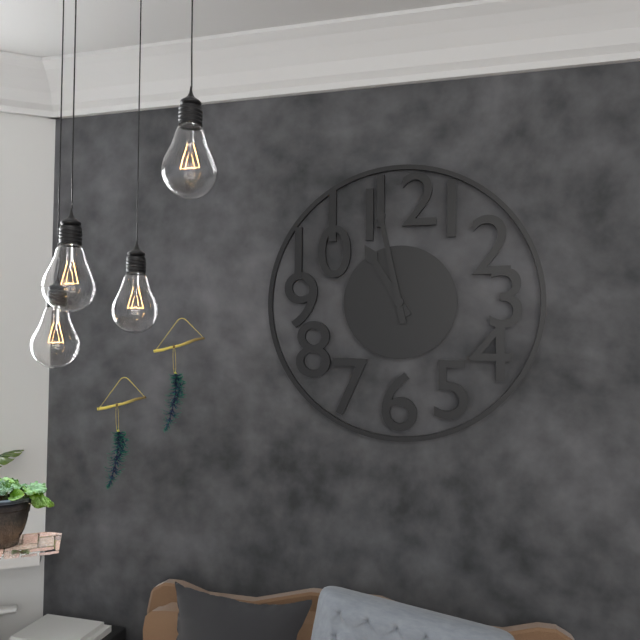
10:58
